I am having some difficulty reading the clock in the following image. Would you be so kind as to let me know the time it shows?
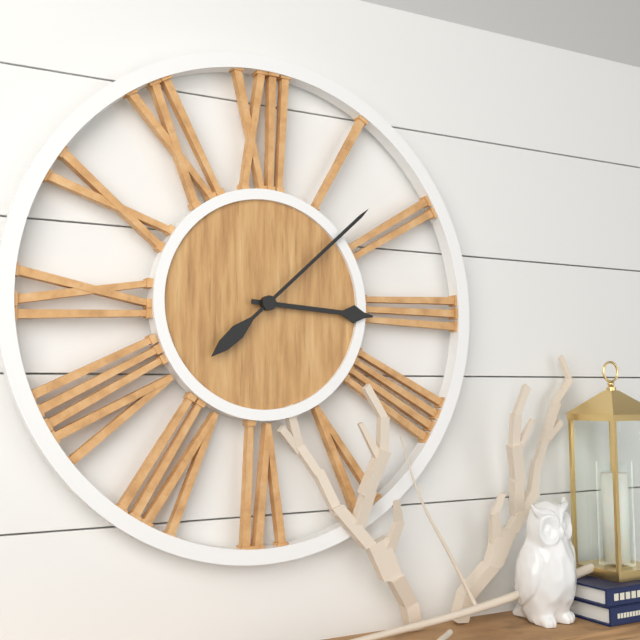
3:08
